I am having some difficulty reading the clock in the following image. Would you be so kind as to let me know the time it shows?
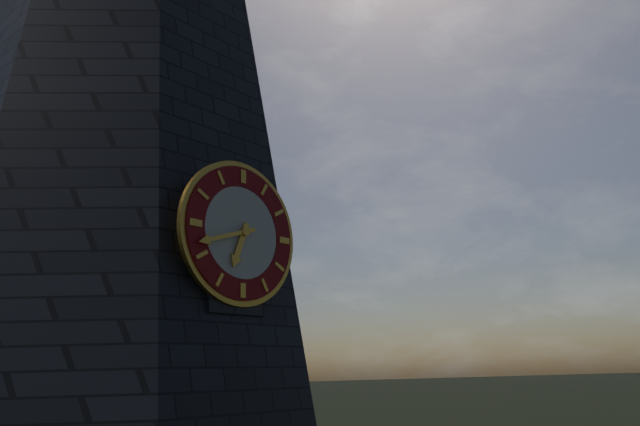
6:42
